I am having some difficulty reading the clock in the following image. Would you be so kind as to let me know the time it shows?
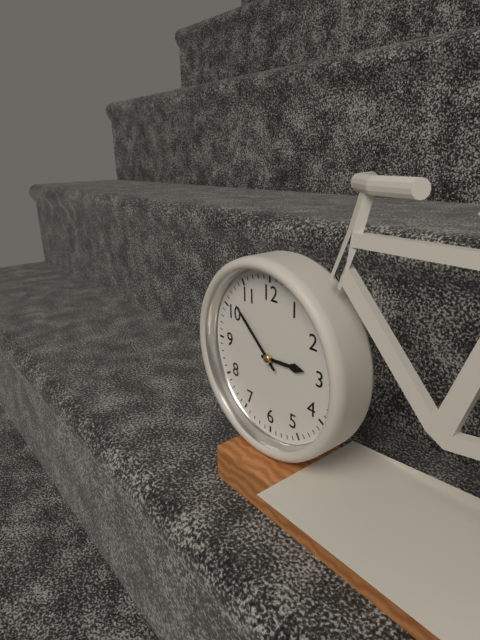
2:52
